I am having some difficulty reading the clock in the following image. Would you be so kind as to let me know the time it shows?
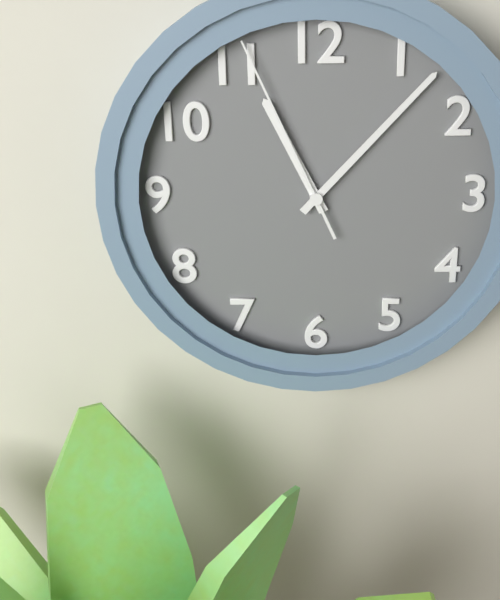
11:07:56
